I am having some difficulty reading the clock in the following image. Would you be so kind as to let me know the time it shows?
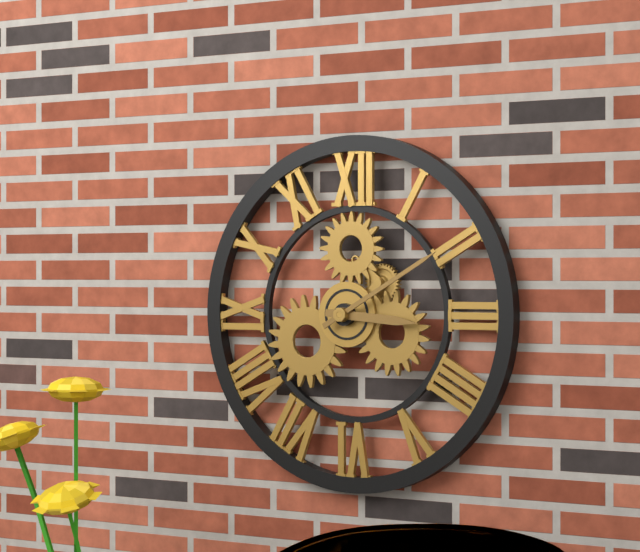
3:10
